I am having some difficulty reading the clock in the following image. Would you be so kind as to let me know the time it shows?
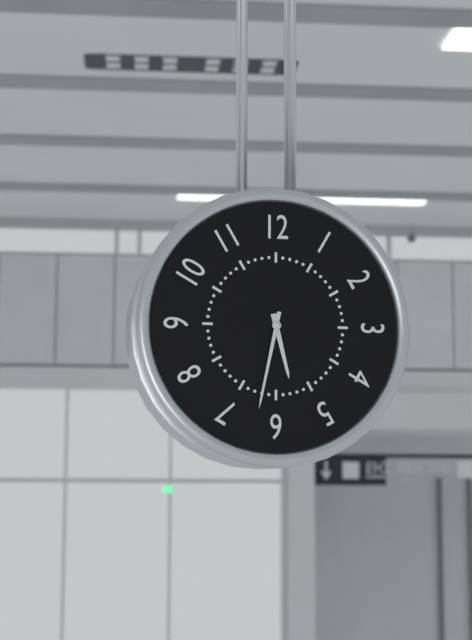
5:32
